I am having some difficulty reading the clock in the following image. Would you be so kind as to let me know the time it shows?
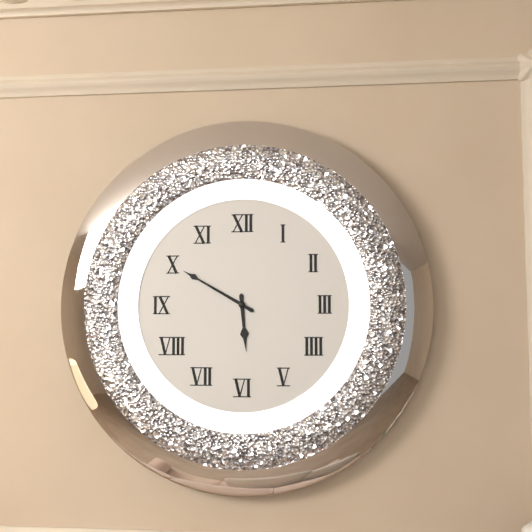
5:50
